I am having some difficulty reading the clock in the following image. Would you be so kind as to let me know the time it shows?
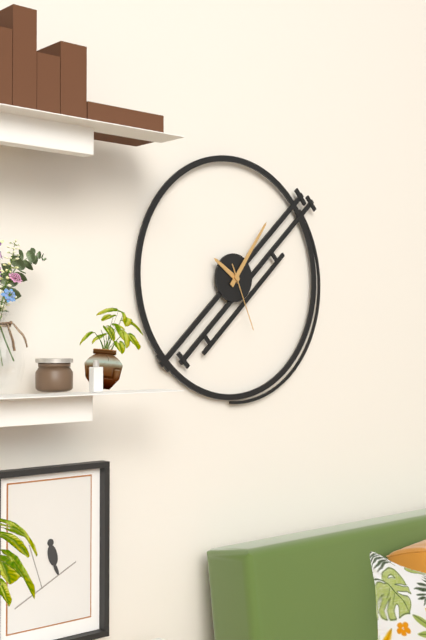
10:06:26
